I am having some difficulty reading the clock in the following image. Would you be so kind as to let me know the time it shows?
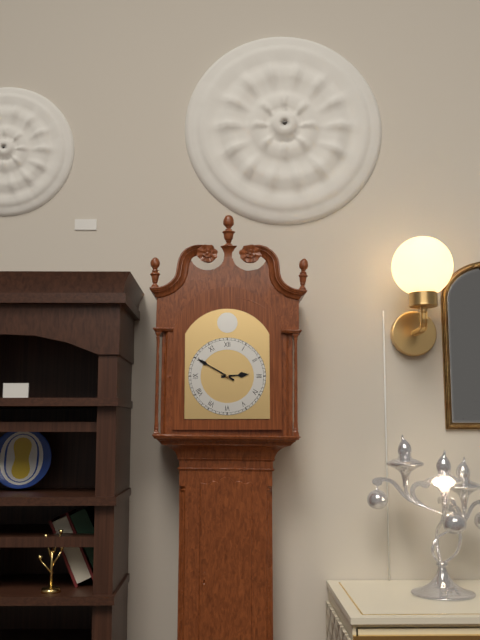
2:50
